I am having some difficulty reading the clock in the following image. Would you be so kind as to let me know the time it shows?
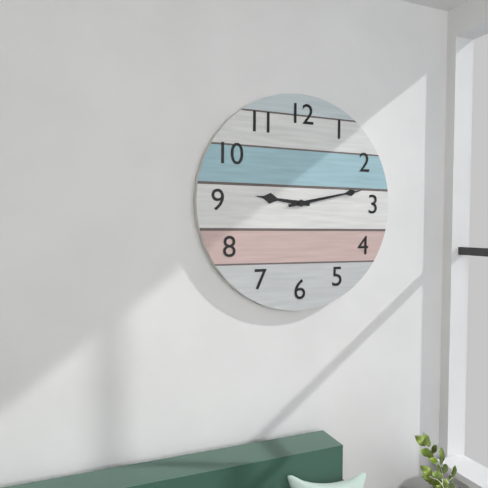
9:13
